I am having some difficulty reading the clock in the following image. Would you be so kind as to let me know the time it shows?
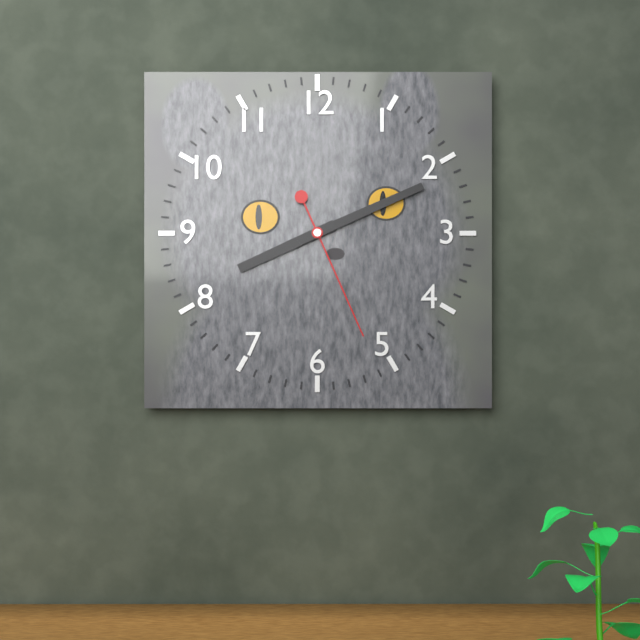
8:11:26
